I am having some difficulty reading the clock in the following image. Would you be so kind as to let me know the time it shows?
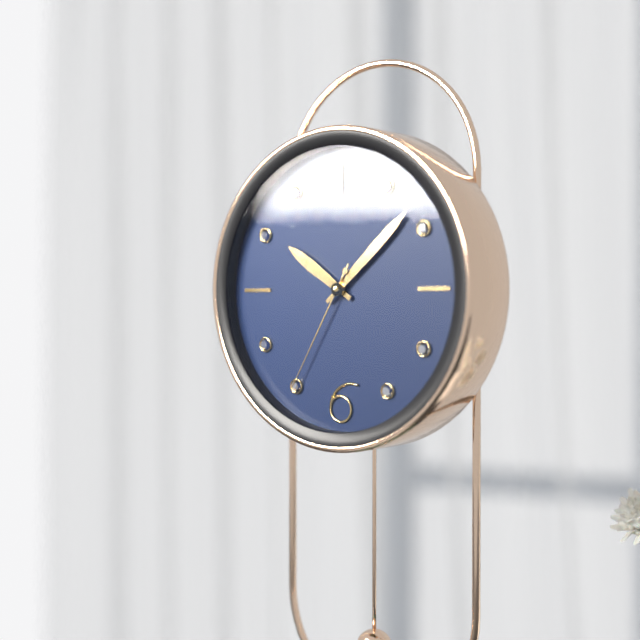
10:08:35
